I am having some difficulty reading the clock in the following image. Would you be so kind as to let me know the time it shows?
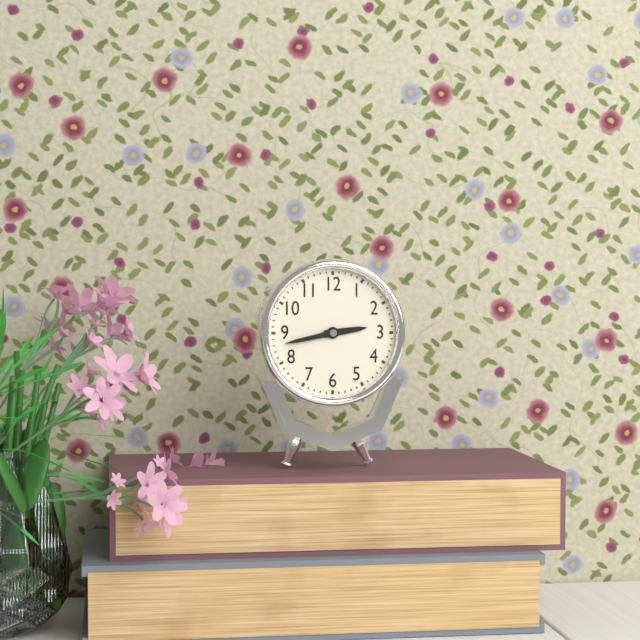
2:43
